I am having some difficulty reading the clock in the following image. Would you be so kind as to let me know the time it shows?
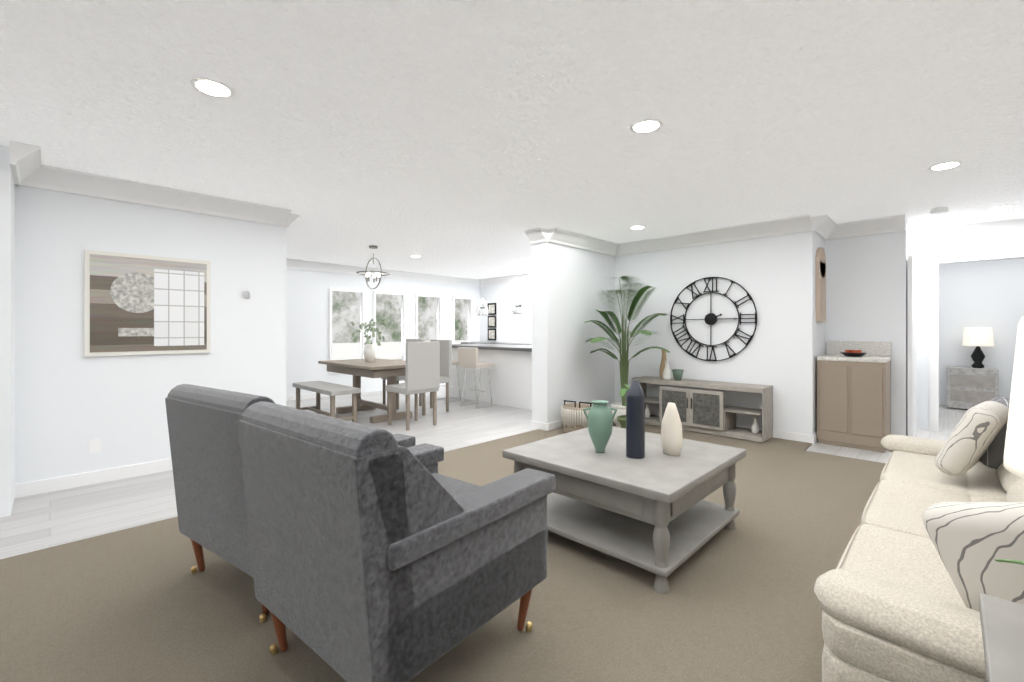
2:15
